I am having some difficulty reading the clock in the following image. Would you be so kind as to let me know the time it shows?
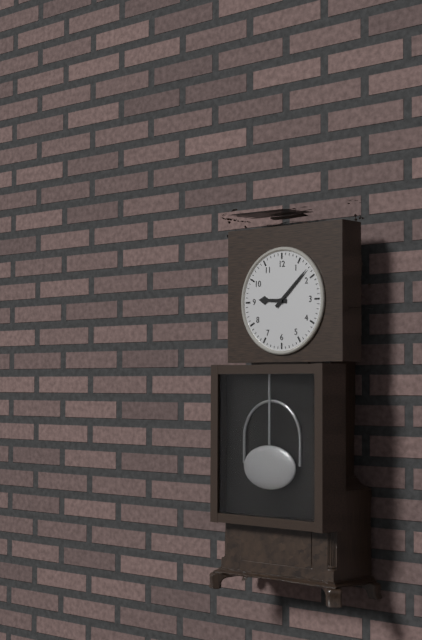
9:08
